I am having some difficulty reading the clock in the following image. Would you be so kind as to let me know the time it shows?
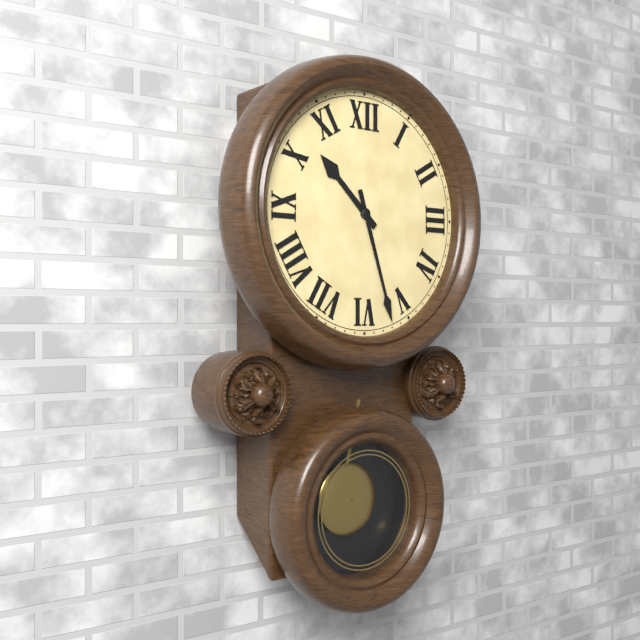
10:27
